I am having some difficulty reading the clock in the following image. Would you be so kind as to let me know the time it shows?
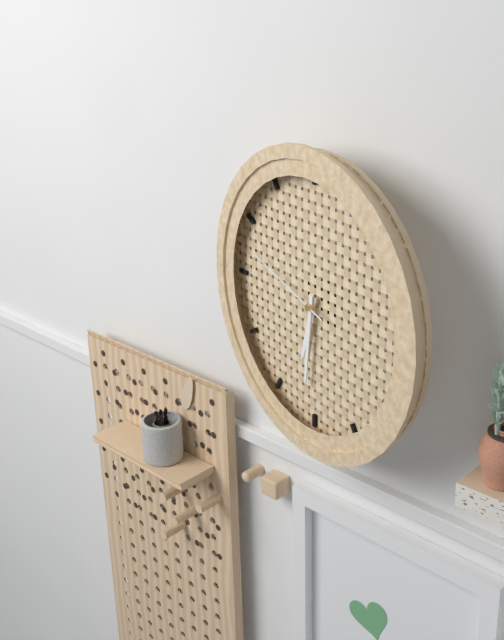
6:31:48
